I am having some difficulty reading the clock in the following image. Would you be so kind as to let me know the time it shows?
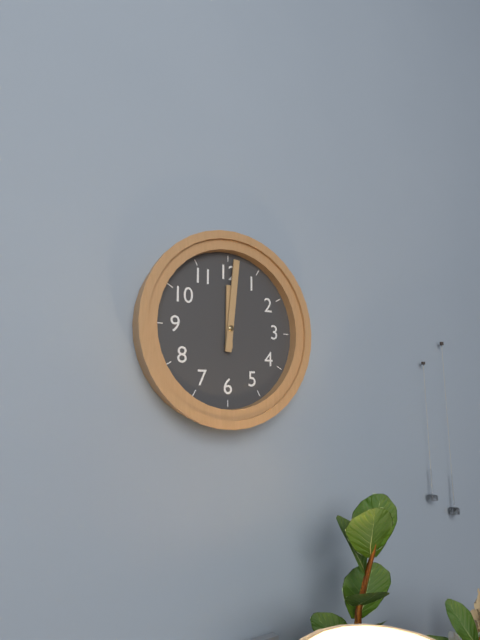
12:01
